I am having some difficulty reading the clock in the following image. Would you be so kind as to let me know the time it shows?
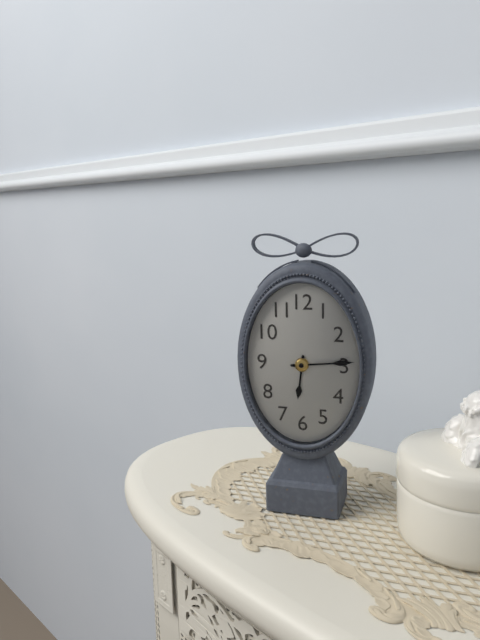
6:14
